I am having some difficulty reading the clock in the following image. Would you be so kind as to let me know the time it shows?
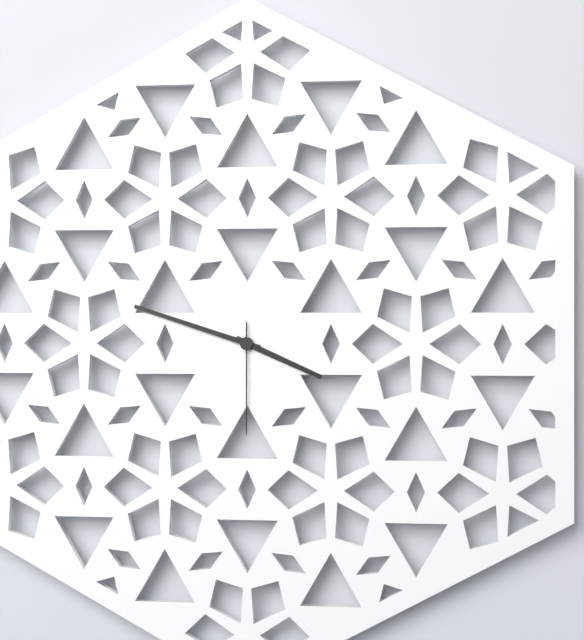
3:48:30
